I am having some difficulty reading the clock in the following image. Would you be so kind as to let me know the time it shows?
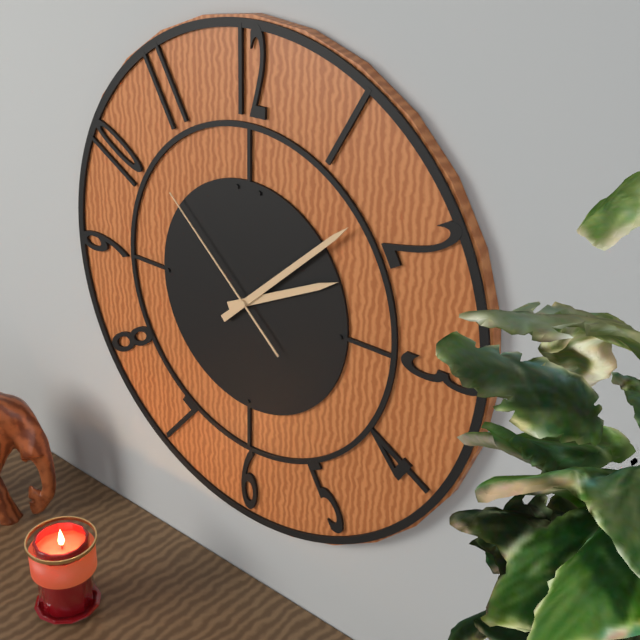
2:08:52
